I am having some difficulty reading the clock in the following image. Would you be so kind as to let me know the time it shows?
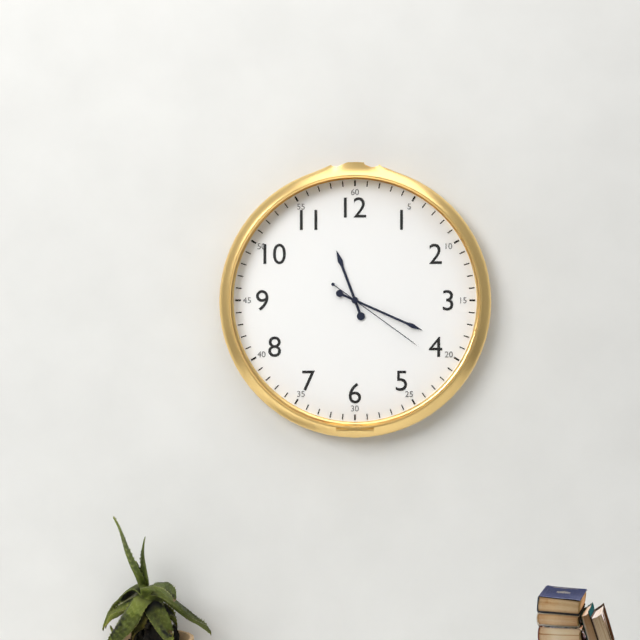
11:19:21
